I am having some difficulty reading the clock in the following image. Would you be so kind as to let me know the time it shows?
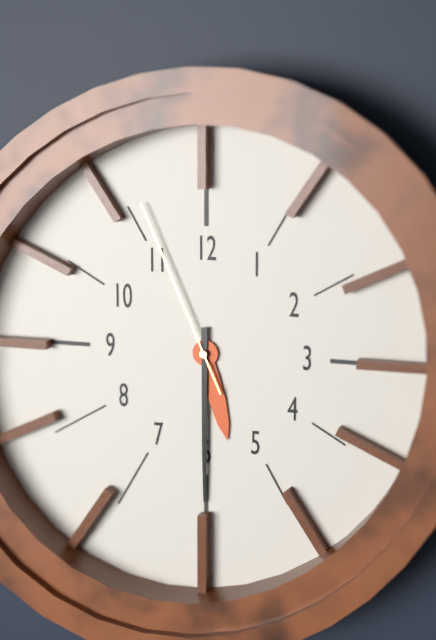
5:30:56
